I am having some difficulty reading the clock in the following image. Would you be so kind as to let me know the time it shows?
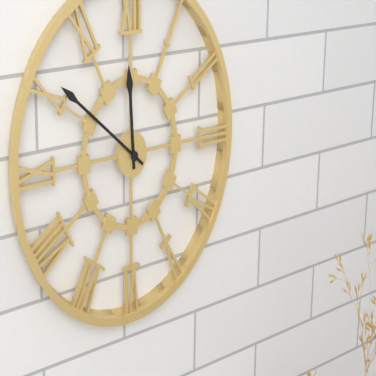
11:51
